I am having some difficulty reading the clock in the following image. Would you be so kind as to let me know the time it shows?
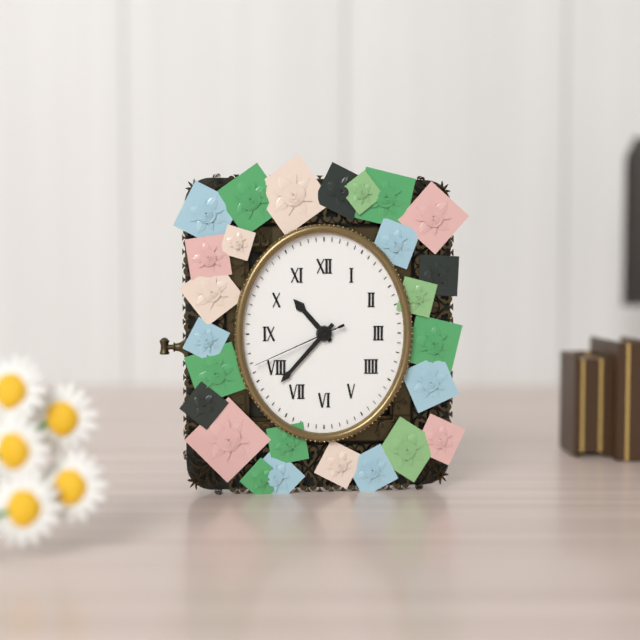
10:37:41
